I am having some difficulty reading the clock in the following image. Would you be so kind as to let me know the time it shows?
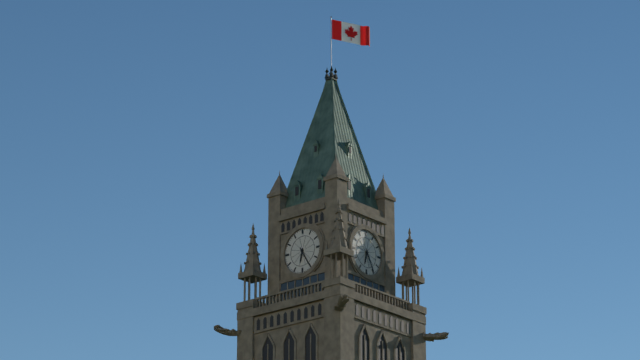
6:25
